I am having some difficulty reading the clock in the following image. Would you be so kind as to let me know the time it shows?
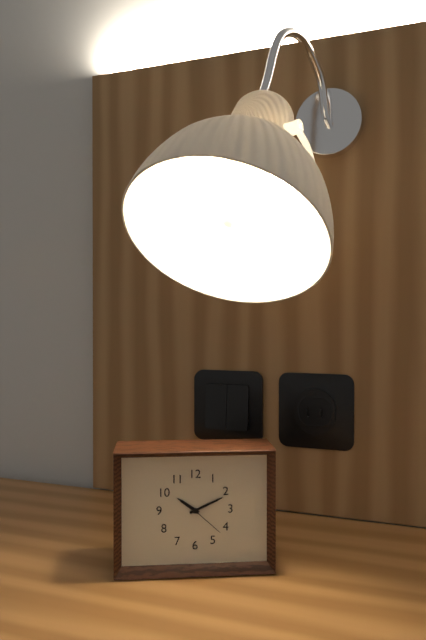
10:11:22
